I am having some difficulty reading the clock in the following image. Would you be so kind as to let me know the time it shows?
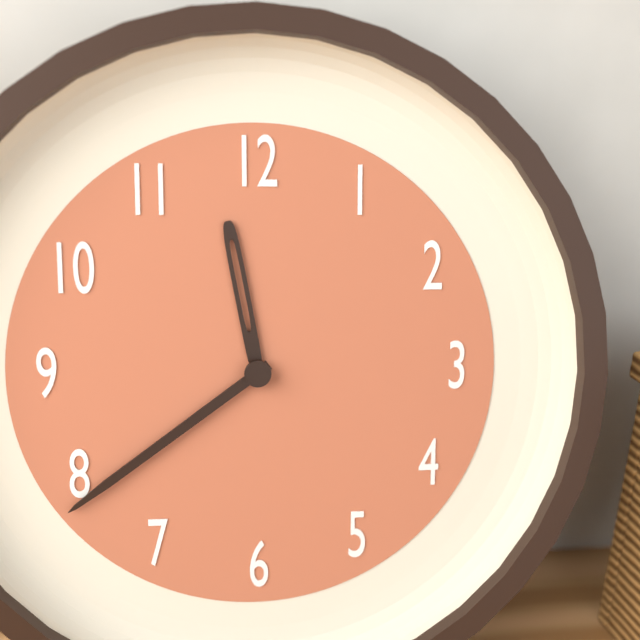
11:39
